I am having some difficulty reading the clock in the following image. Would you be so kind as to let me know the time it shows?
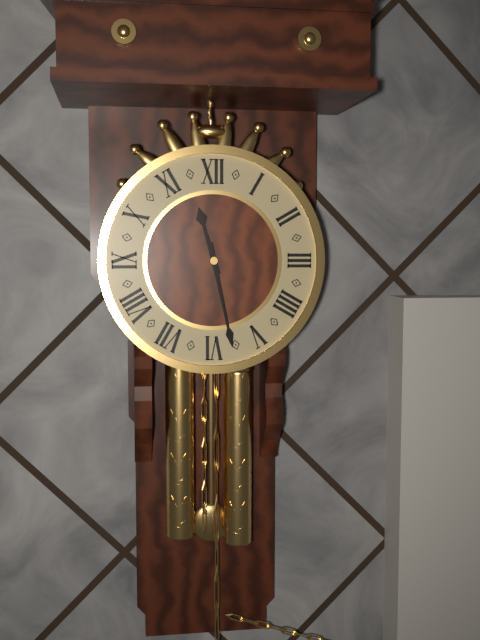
11:28
